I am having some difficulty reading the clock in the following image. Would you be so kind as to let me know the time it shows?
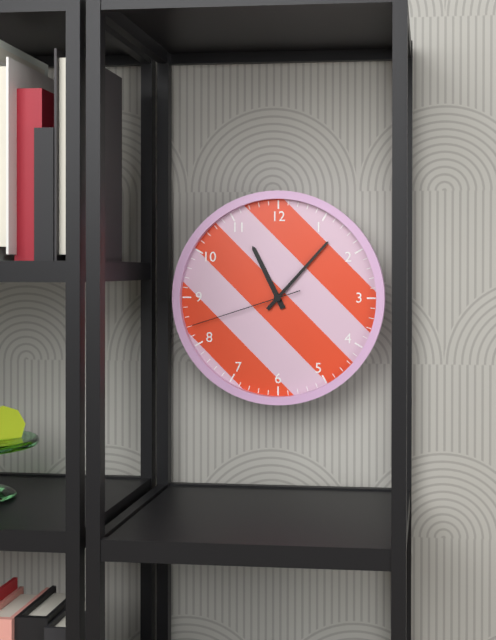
11:07:42
